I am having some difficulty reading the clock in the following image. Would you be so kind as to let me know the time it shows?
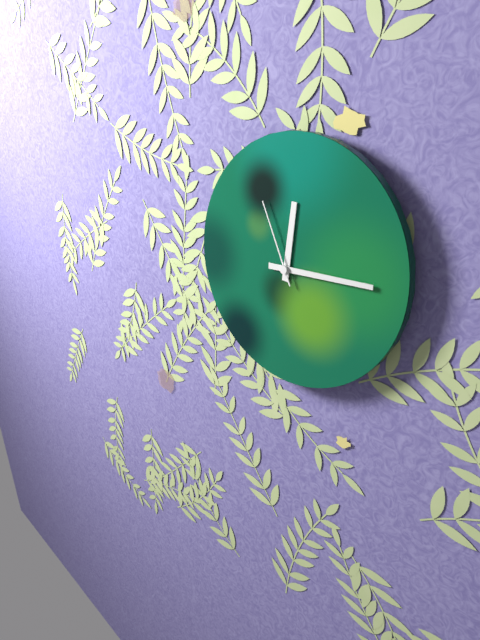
12:15:56
